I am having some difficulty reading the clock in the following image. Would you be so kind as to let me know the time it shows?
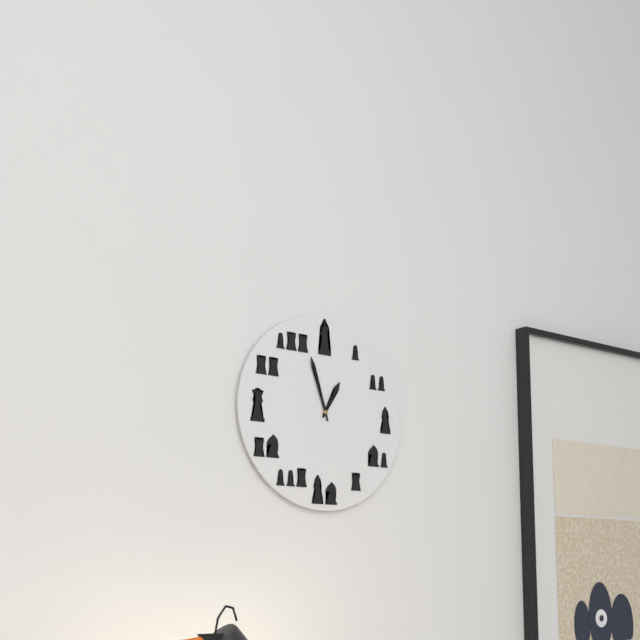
12:57
